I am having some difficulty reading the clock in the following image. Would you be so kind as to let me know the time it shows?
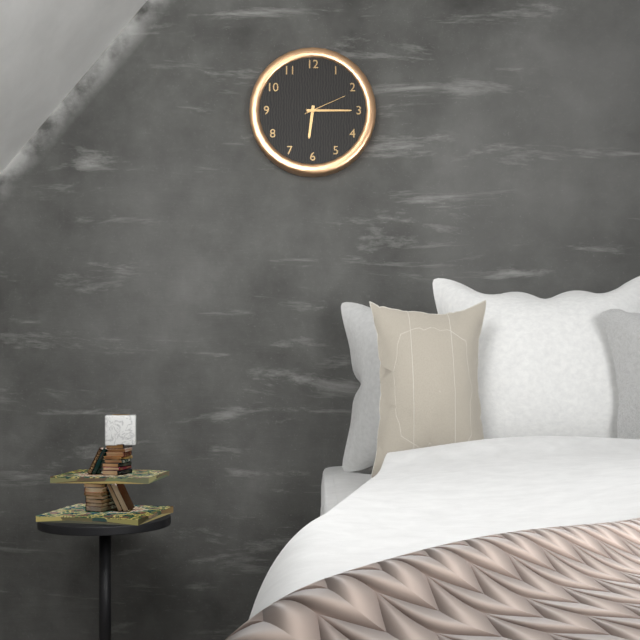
6:15
